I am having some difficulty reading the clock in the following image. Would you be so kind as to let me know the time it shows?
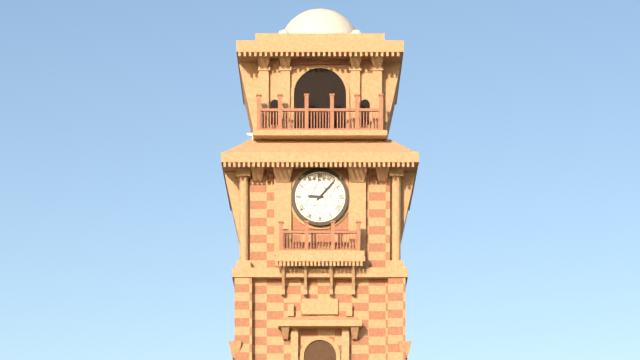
9:07
